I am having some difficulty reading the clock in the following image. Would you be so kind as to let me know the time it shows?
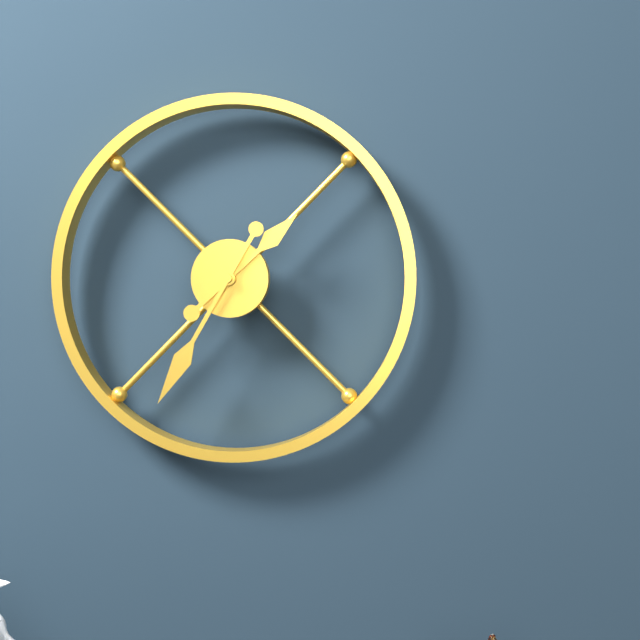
1:35
